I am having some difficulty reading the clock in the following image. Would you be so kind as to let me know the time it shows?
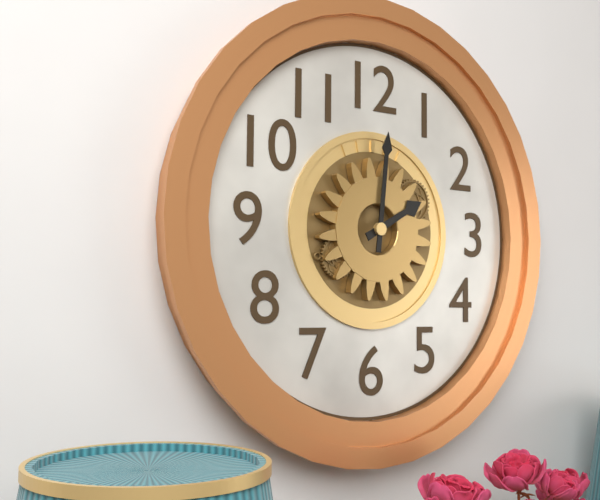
2:01
